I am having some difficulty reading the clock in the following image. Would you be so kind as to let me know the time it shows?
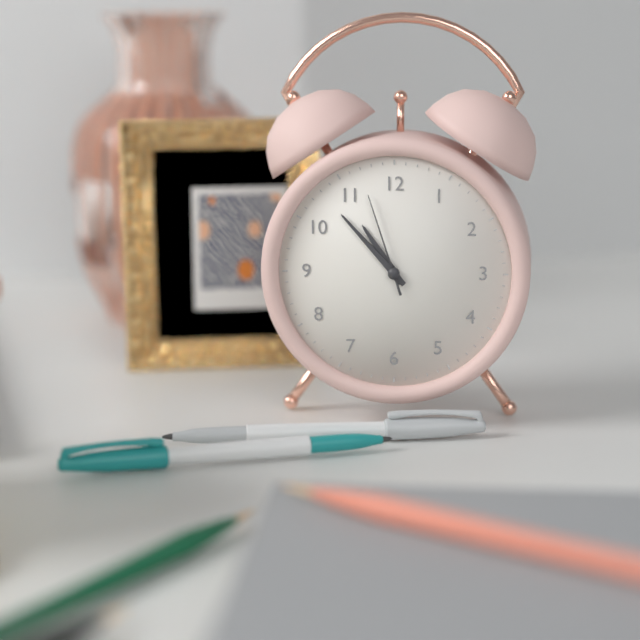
10:53:57
